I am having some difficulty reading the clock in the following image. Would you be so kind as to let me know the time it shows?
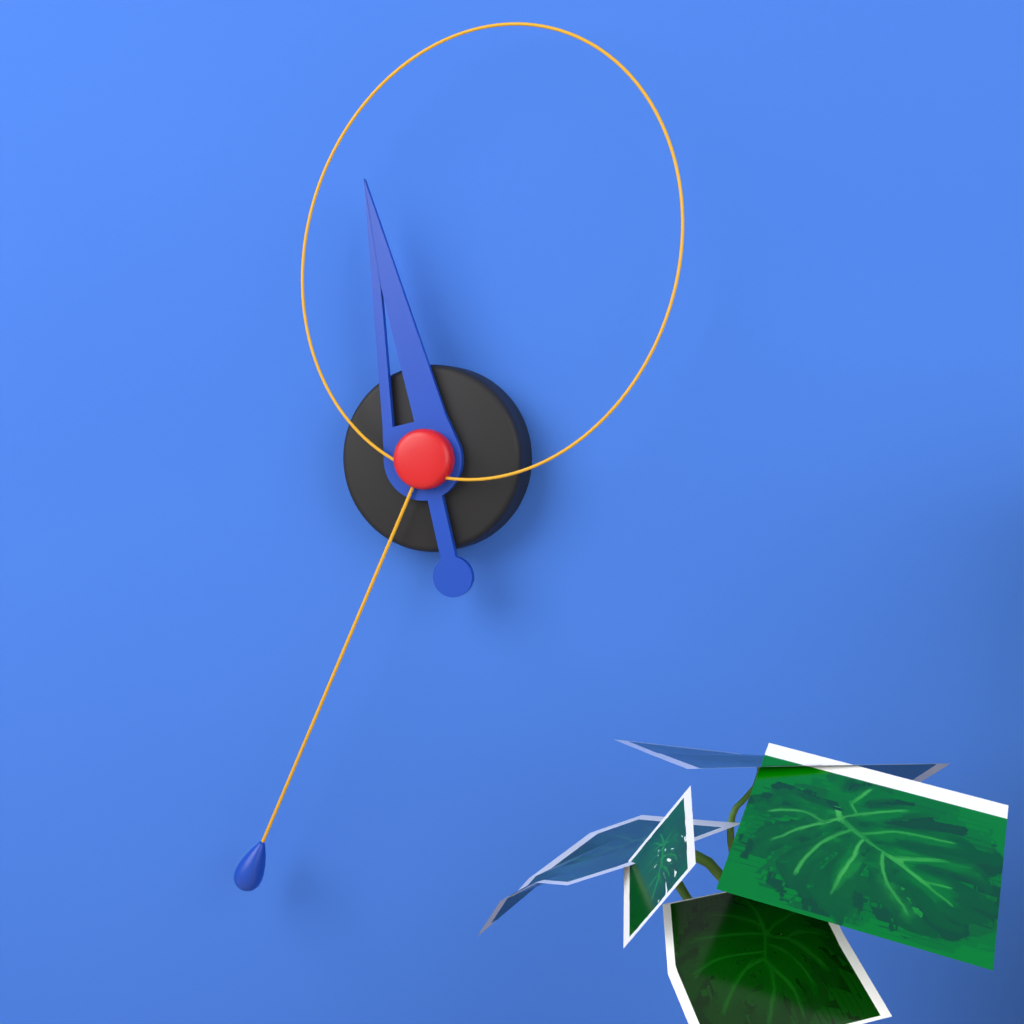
11:34:03
